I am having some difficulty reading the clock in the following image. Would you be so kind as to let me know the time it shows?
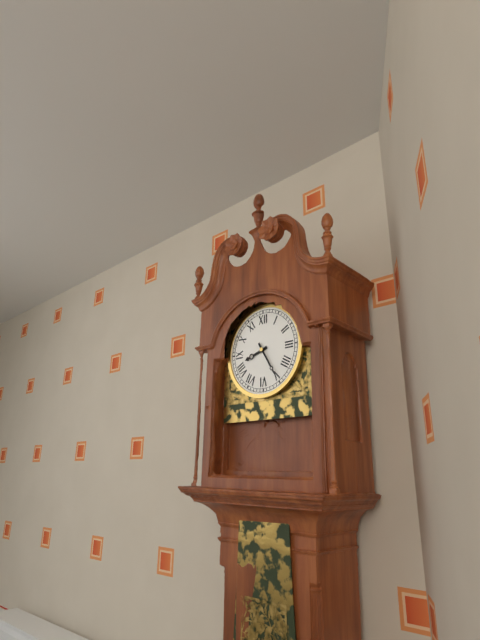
8:25
